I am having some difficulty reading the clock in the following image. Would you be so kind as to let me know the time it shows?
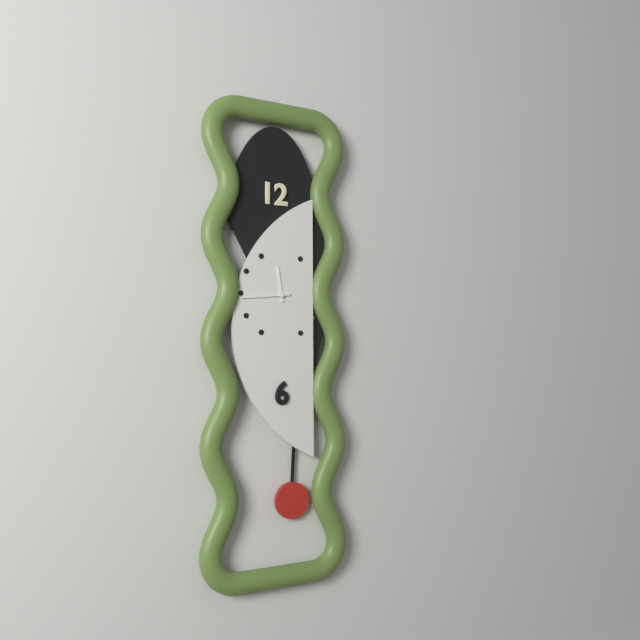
11:44
